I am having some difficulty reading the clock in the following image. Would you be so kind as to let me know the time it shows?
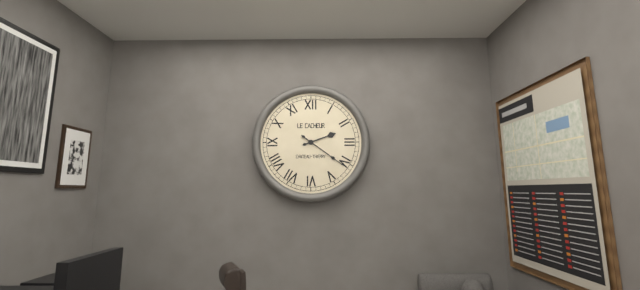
2:21
